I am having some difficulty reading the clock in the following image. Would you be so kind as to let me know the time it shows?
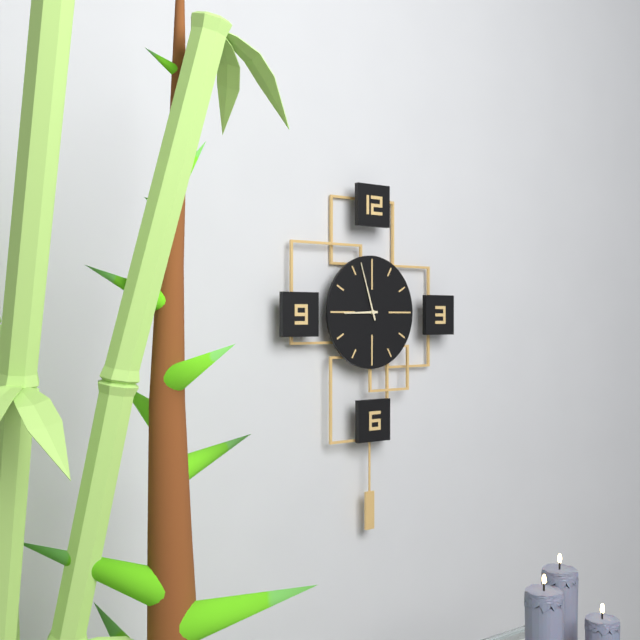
8:57
